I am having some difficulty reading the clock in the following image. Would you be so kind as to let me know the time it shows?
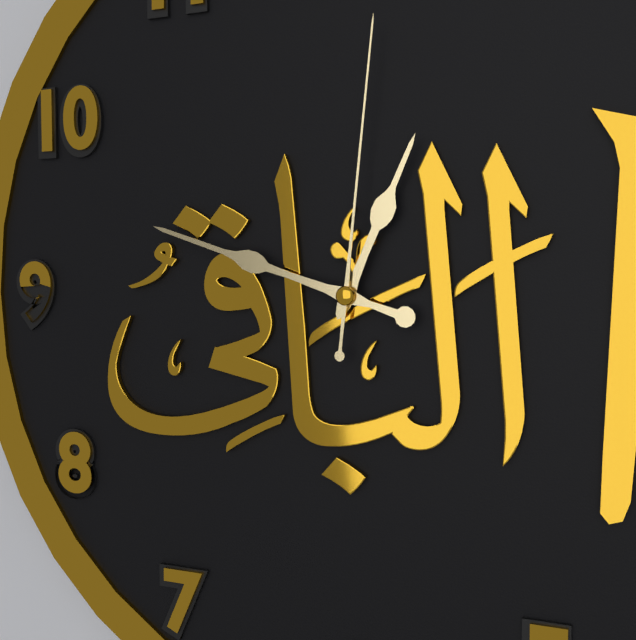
12:48:01
